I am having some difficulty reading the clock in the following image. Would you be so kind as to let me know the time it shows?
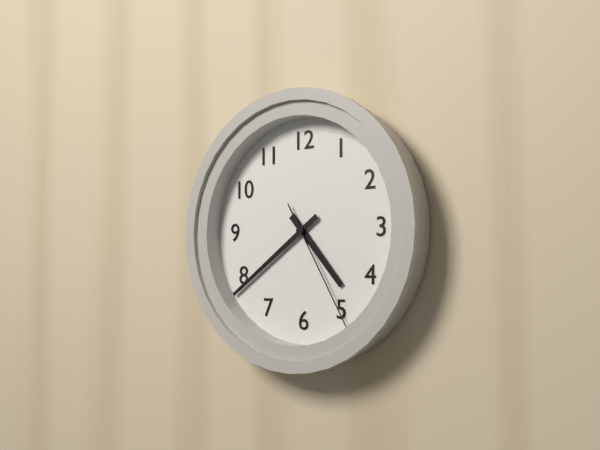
4:39:25
